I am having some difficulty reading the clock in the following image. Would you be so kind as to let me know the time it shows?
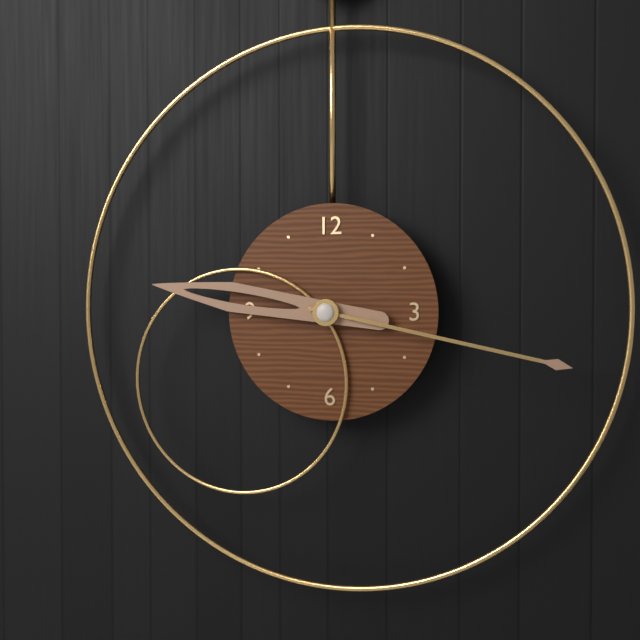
9:17
